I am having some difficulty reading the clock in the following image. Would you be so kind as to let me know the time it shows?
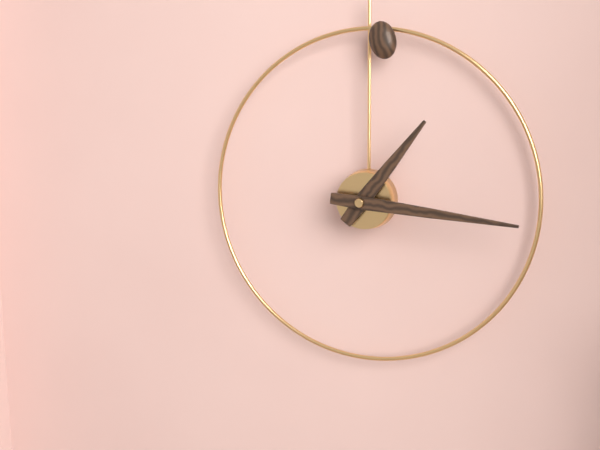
1:16
